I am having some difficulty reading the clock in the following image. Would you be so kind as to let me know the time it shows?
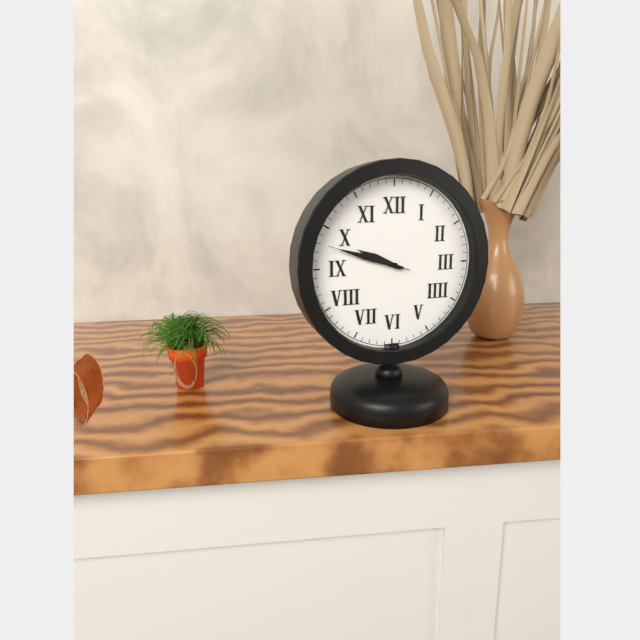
9:48:48
